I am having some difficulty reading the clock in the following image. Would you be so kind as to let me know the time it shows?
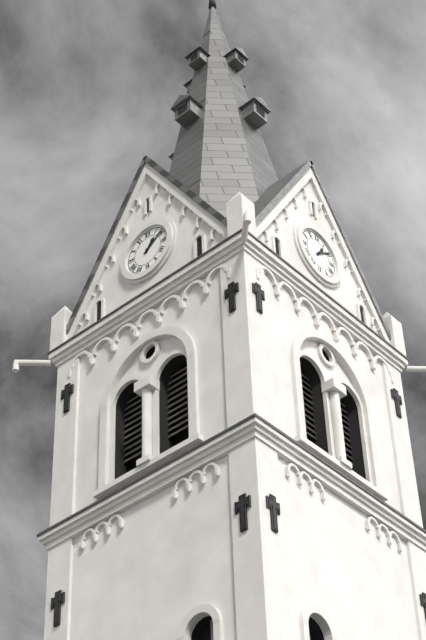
1:09
